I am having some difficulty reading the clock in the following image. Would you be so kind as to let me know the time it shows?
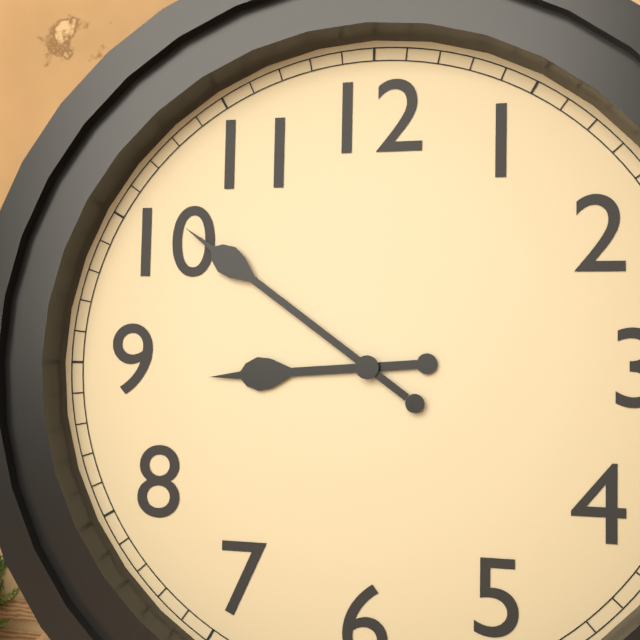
8:51
